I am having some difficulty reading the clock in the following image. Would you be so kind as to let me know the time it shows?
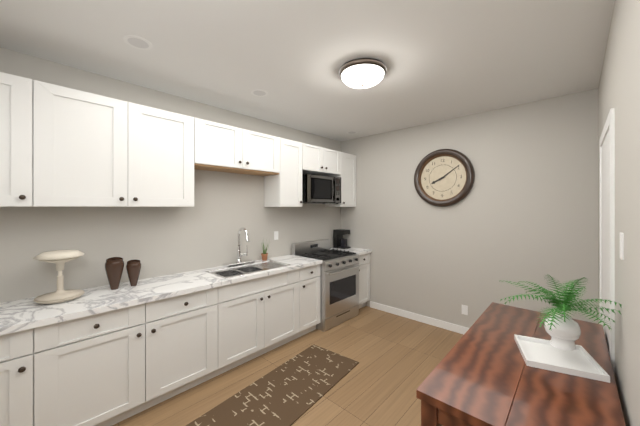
8:09
